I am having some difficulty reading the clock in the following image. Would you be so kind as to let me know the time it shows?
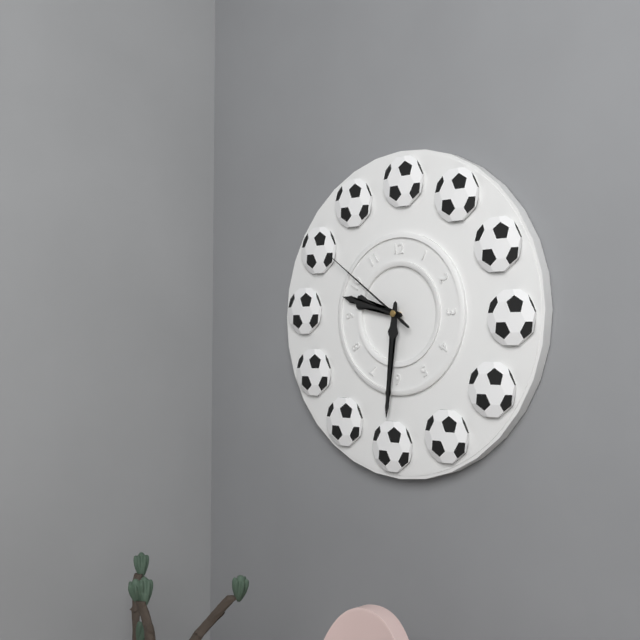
9:31:51
